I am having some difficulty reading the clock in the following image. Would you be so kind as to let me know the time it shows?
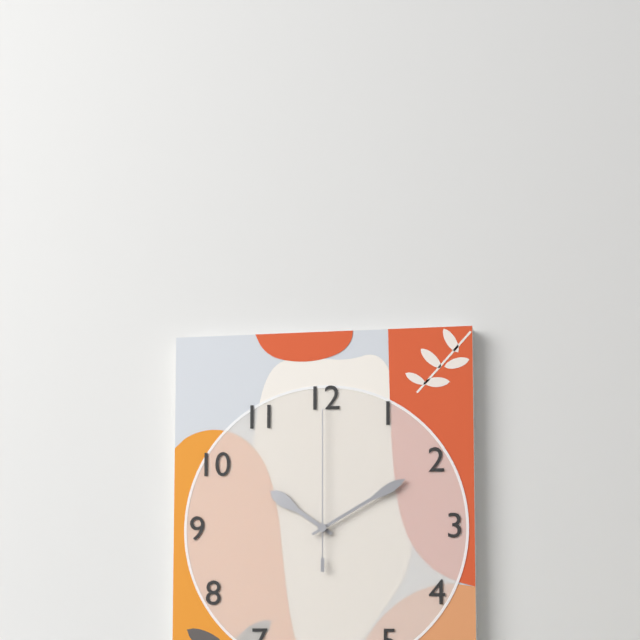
10:10:00
